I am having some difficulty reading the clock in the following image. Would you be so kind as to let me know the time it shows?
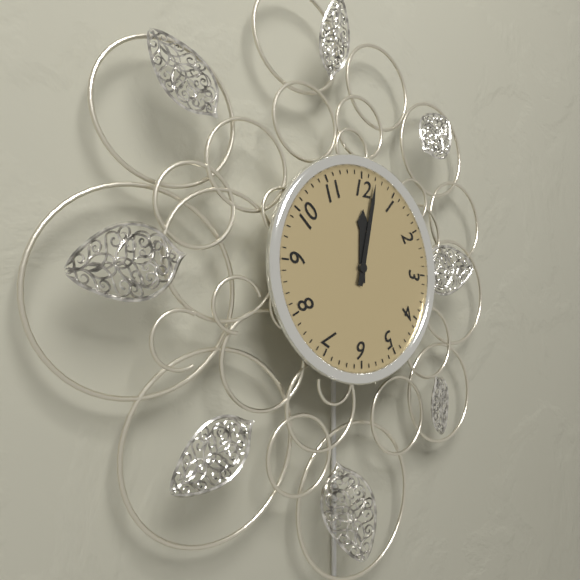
12:02
